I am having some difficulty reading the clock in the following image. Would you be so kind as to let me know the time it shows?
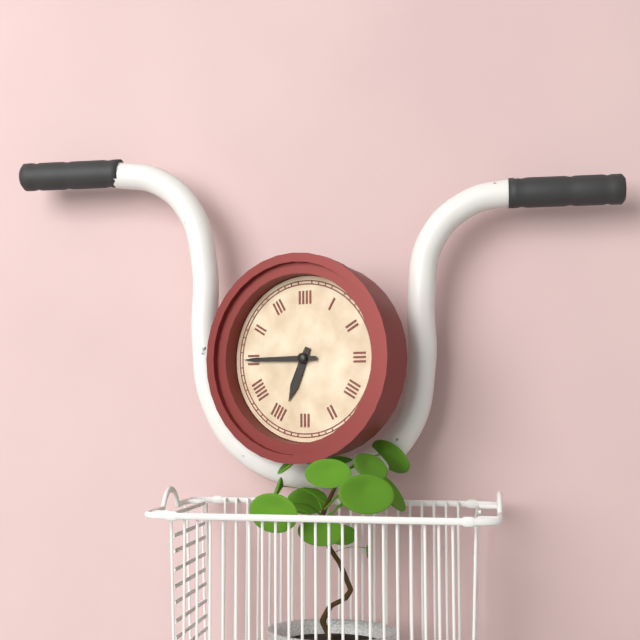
6:45
